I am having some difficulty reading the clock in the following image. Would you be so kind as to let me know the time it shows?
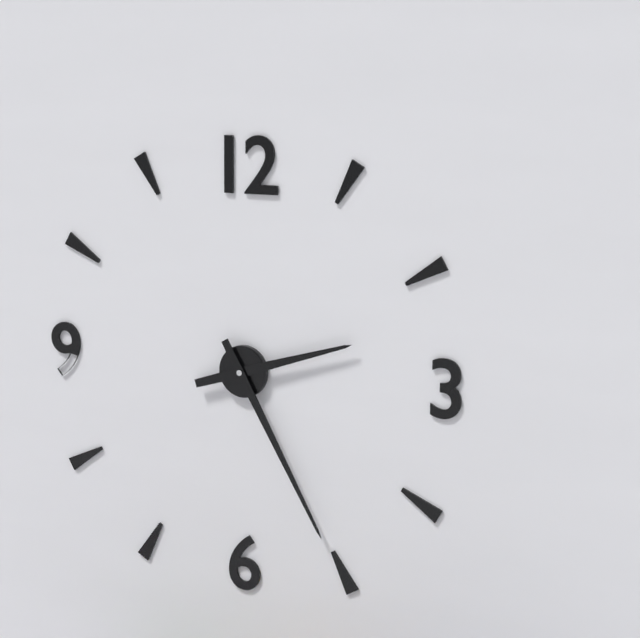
2:25
